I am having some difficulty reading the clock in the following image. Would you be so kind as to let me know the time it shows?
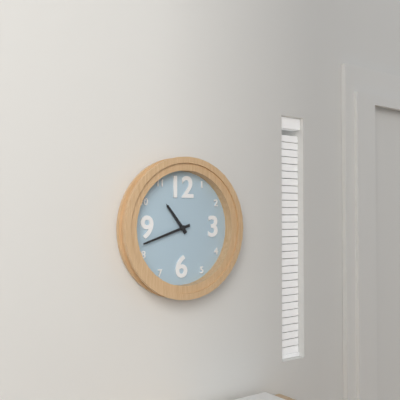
10:42
